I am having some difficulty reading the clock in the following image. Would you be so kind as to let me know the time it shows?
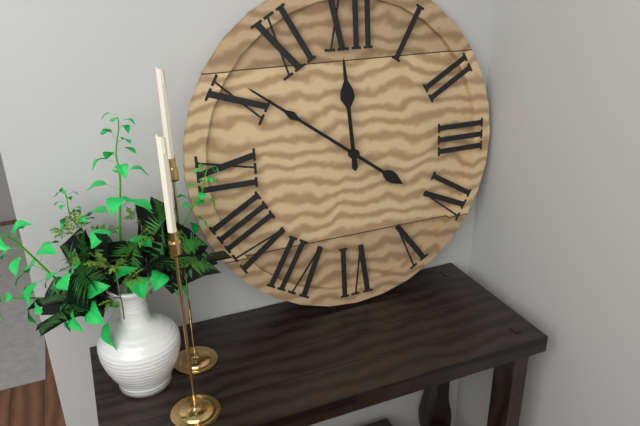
11:51
